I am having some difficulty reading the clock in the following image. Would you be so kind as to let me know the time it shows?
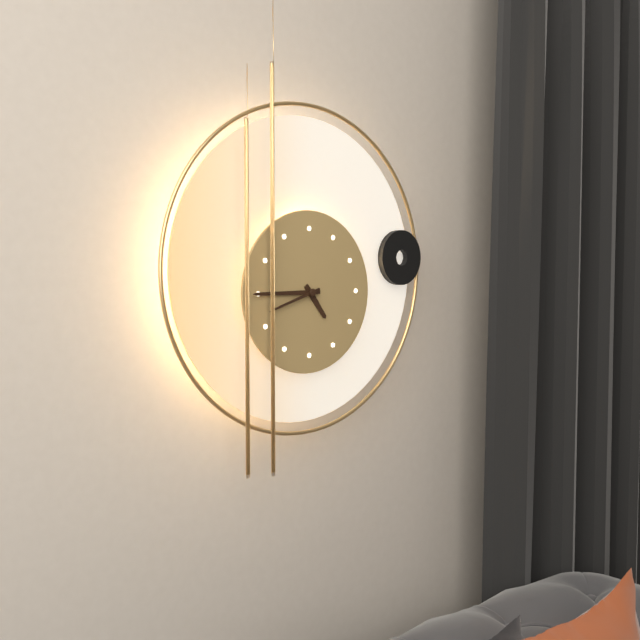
4:45:42
